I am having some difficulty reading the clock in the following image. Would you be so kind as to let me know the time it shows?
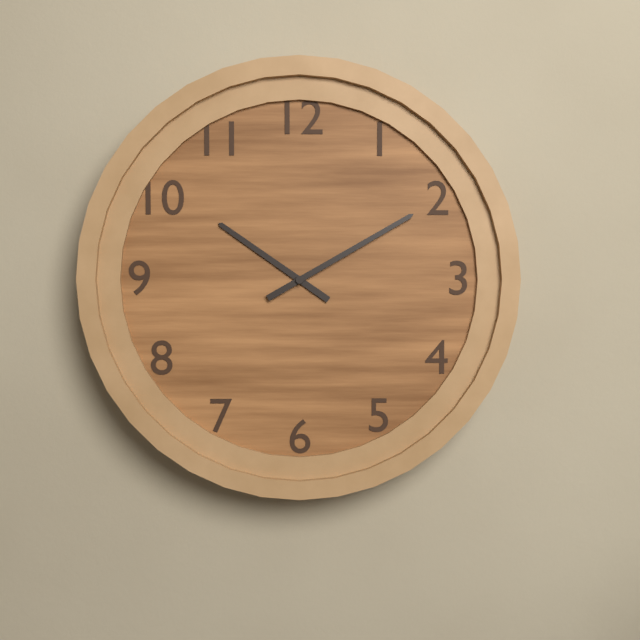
10:10
